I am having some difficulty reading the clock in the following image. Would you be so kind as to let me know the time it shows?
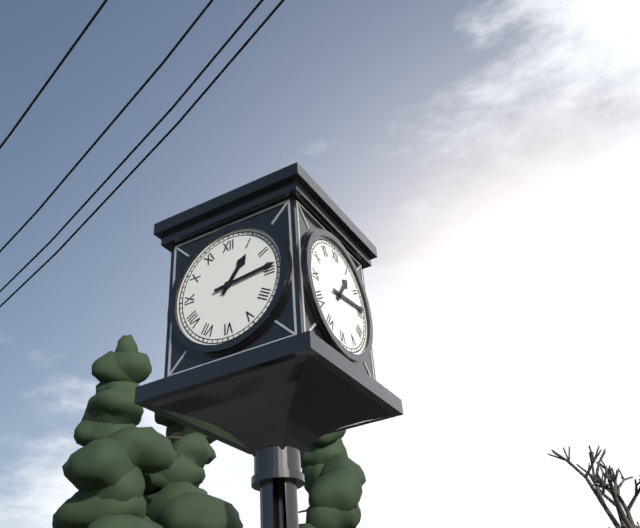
1:14
